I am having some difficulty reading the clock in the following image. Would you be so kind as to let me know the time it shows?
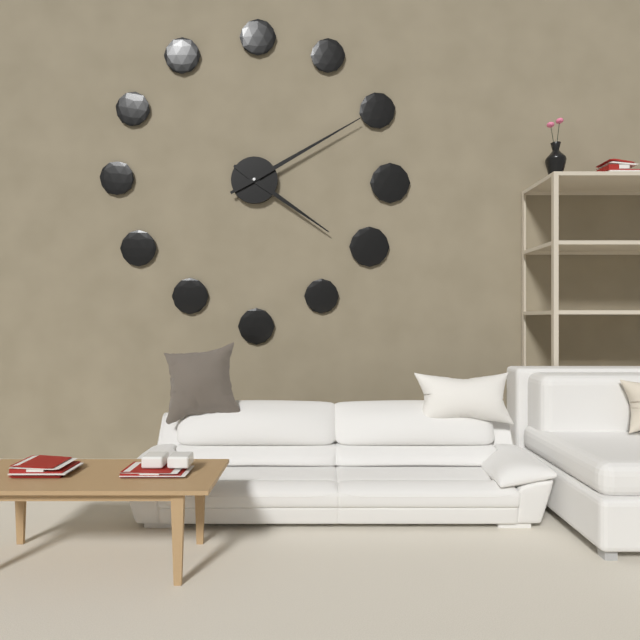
4:10
